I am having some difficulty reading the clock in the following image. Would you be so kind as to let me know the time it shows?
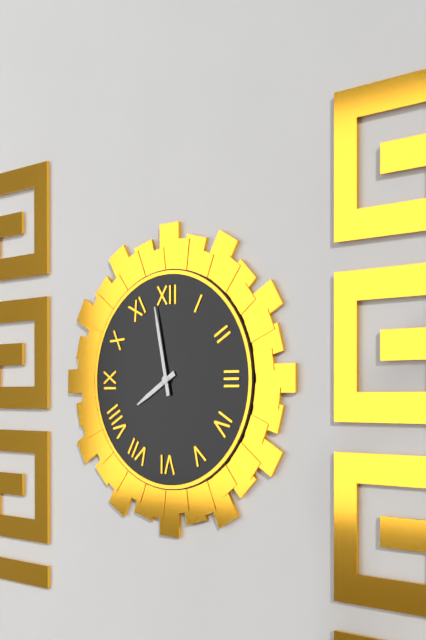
7:58
